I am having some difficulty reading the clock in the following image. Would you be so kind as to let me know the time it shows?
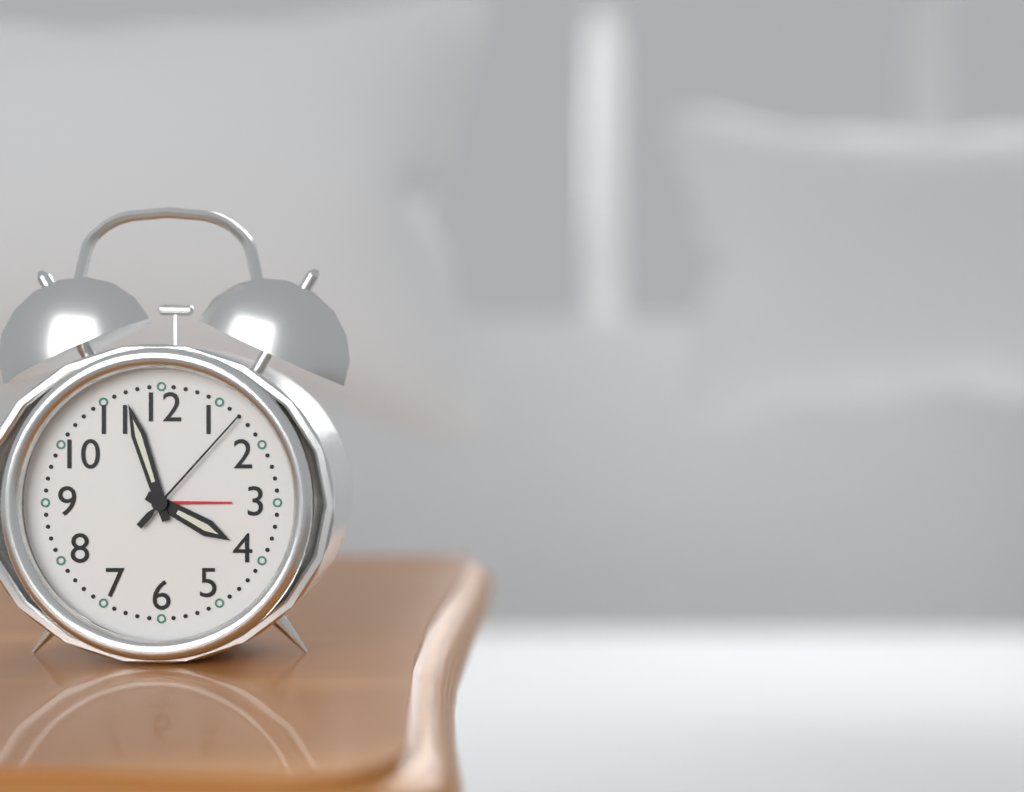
3:57:07
